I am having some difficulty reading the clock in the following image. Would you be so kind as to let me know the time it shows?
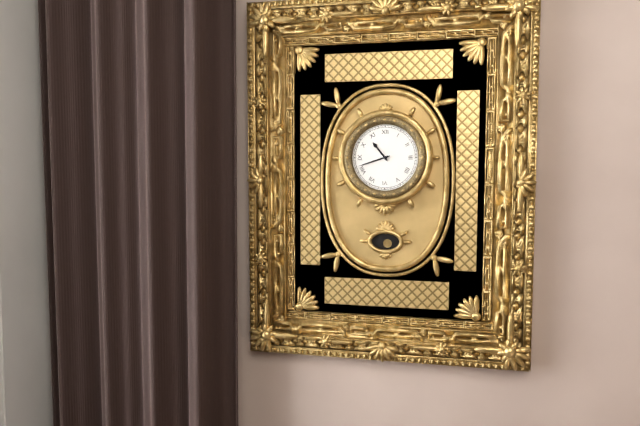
10:42
